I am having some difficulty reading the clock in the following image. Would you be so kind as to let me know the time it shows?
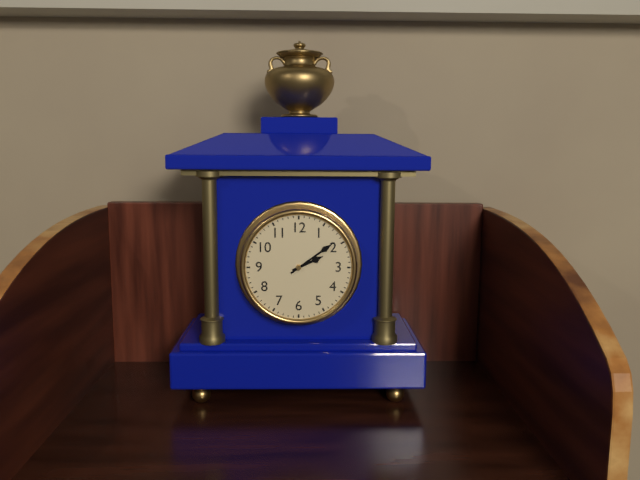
2:09
